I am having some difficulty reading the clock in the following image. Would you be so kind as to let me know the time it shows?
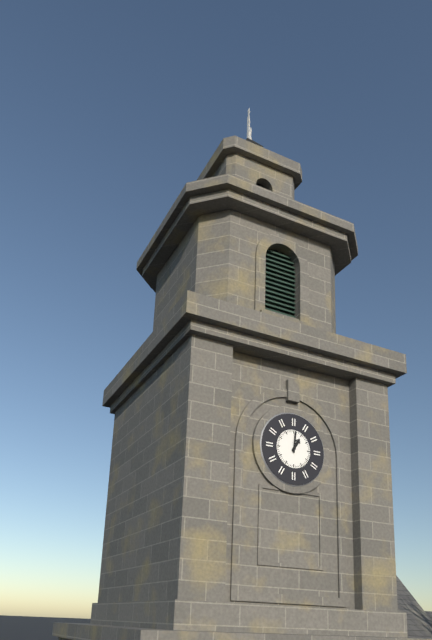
1:01
